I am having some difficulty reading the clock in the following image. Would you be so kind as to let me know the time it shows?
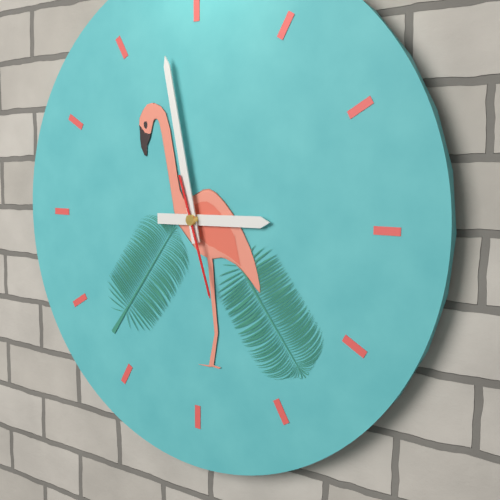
2:58:27
